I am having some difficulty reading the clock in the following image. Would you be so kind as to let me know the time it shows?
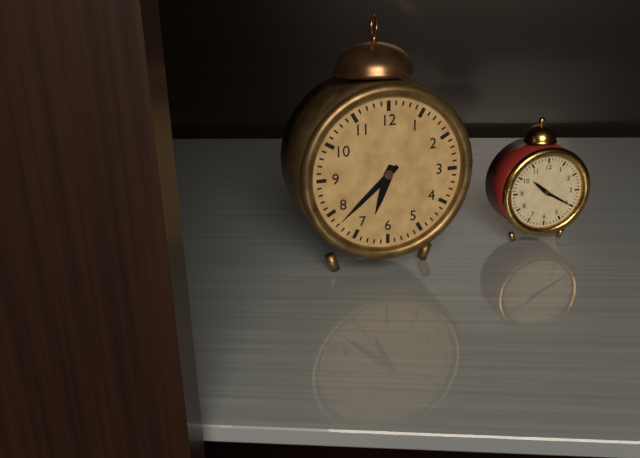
6:38
